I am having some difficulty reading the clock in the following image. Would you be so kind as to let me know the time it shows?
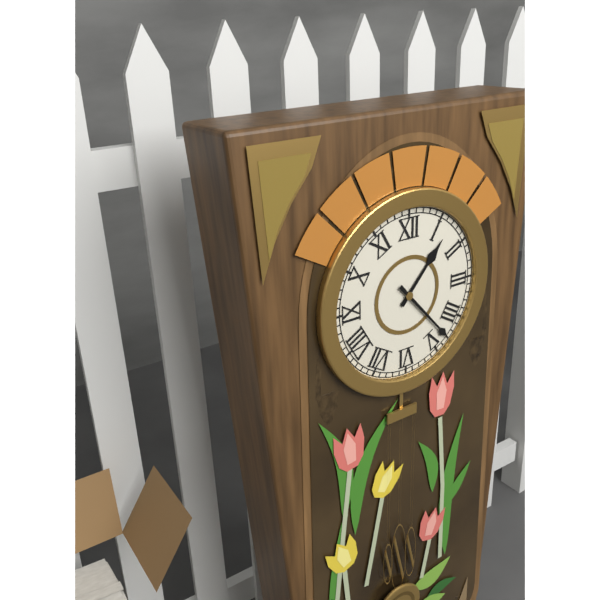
1:23
